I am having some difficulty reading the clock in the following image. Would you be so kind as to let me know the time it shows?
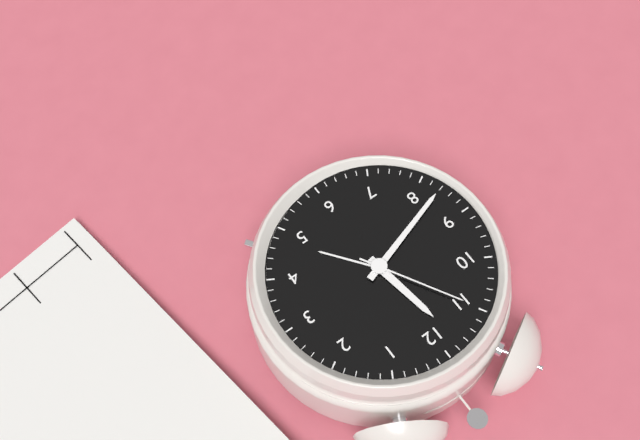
11:42:55
